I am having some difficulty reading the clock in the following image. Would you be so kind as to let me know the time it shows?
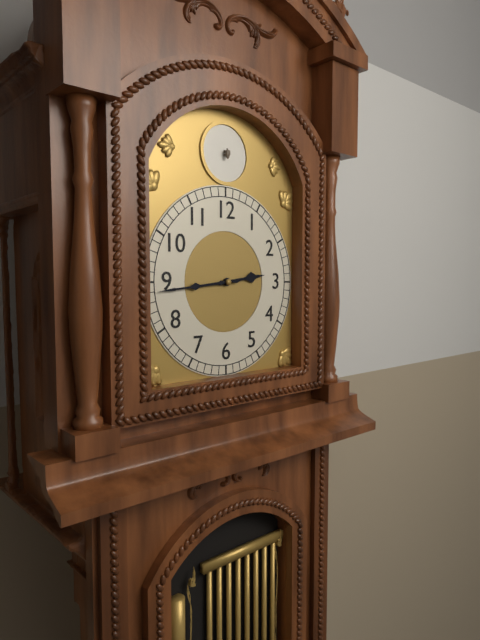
2:44
